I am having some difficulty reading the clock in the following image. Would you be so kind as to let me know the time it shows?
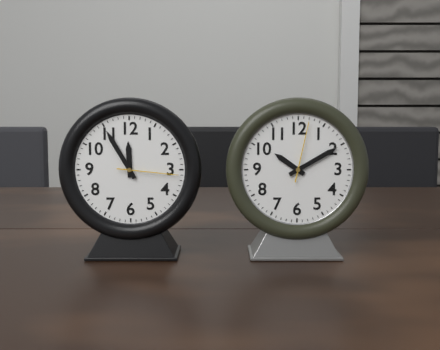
11:55:16
